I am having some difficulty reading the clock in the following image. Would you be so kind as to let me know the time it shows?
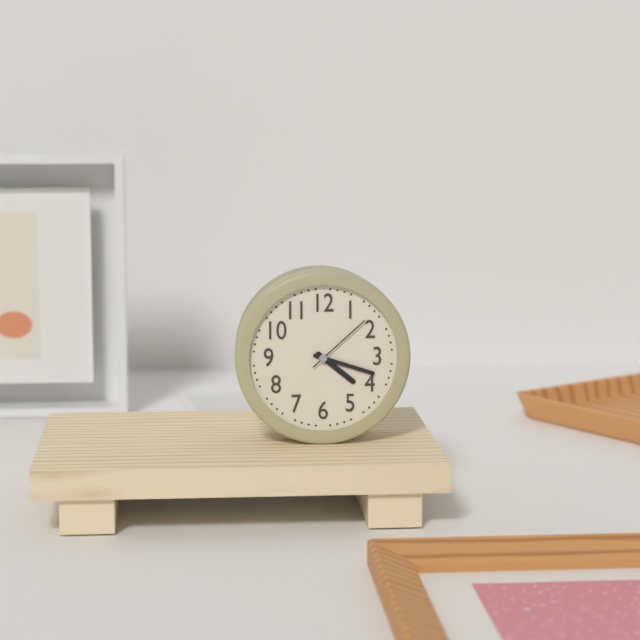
4:18:08
